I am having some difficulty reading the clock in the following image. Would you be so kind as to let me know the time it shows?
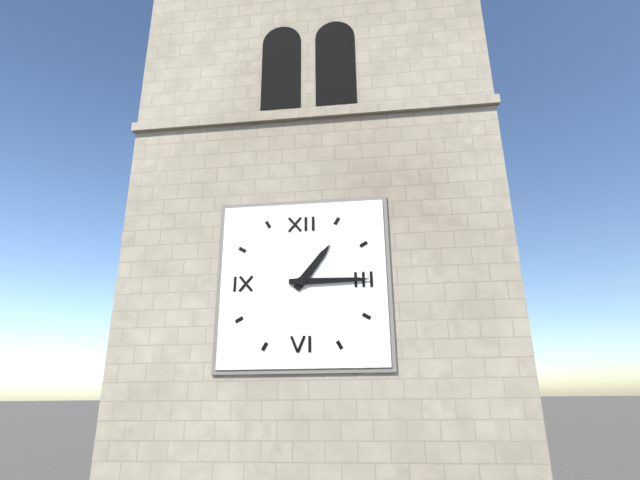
1:15
